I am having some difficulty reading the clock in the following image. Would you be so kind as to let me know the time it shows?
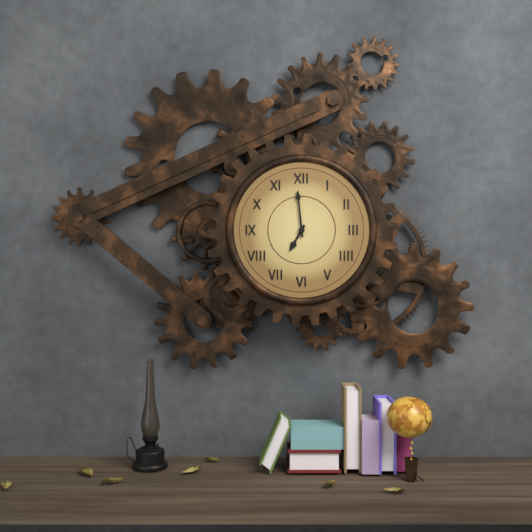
6:59
